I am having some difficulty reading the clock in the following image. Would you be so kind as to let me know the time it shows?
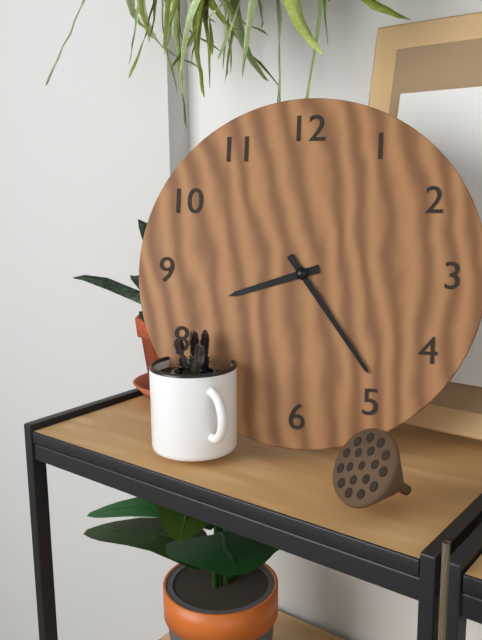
8:24
